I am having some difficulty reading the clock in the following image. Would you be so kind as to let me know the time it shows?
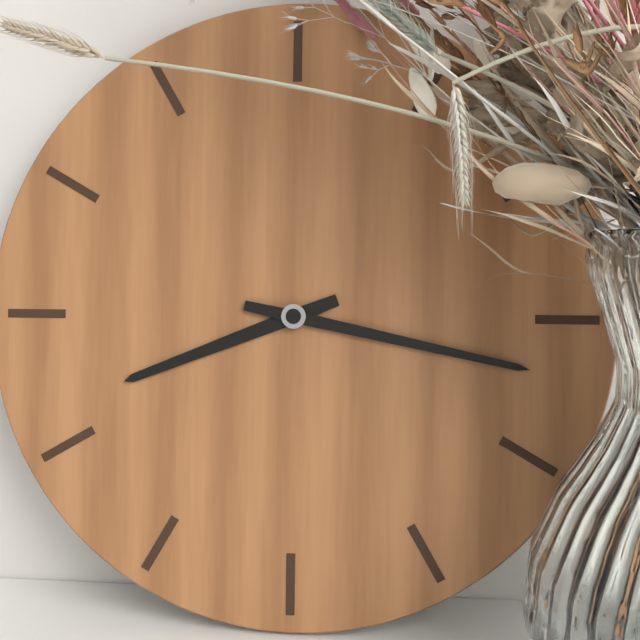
8:17
